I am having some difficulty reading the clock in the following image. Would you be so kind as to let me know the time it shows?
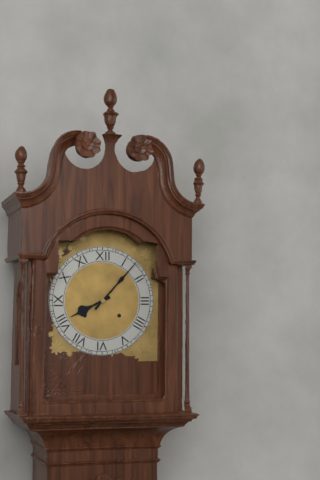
8:07
